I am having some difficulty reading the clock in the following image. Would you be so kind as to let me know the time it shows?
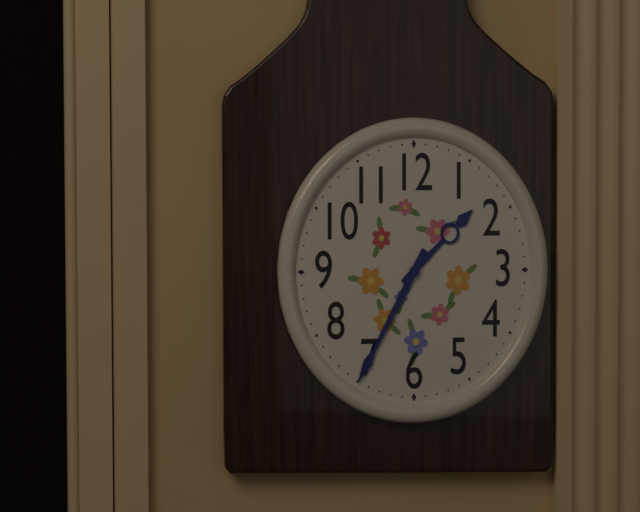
1:35
